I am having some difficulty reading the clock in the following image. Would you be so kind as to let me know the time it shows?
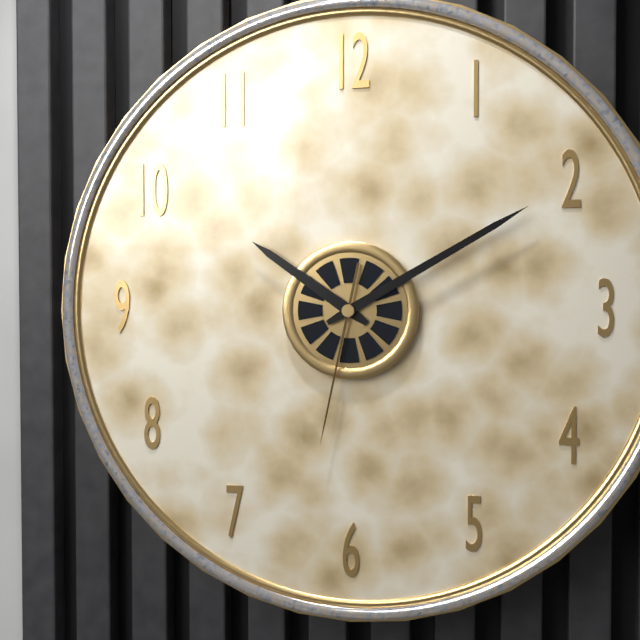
10:10:32
